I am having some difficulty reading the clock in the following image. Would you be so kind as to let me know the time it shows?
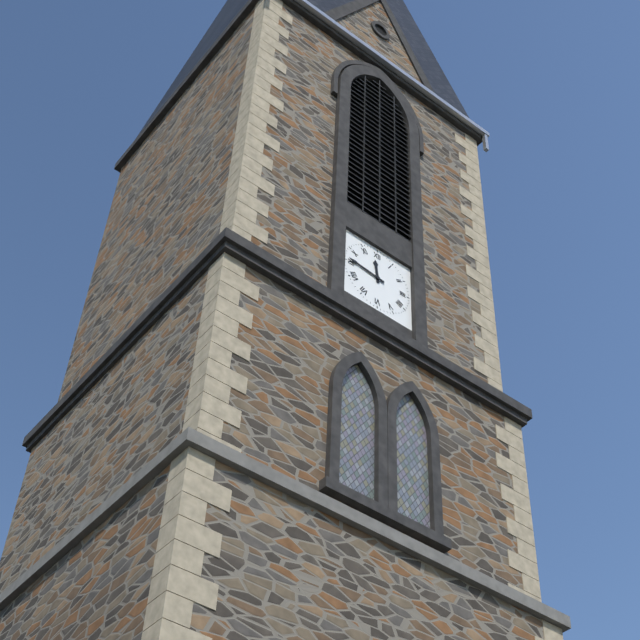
11:46
